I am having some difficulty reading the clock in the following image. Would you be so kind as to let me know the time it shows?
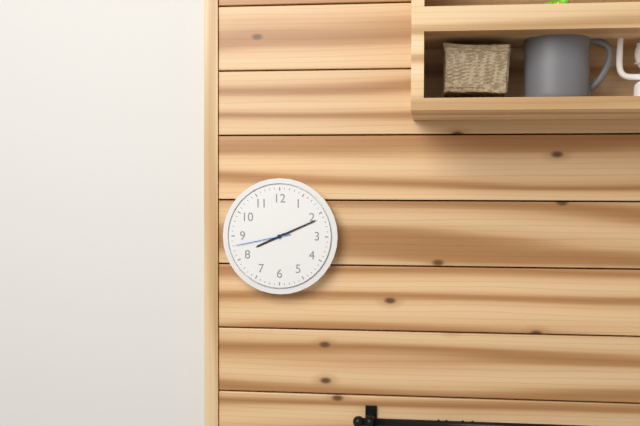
8:11:43
